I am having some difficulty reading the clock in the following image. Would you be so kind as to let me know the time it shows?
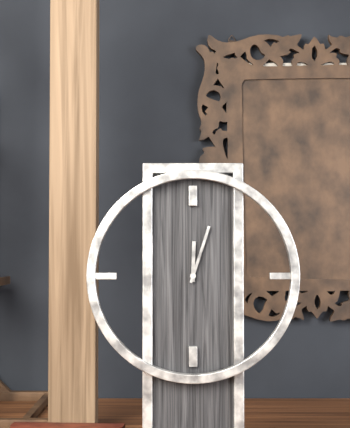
12:03
